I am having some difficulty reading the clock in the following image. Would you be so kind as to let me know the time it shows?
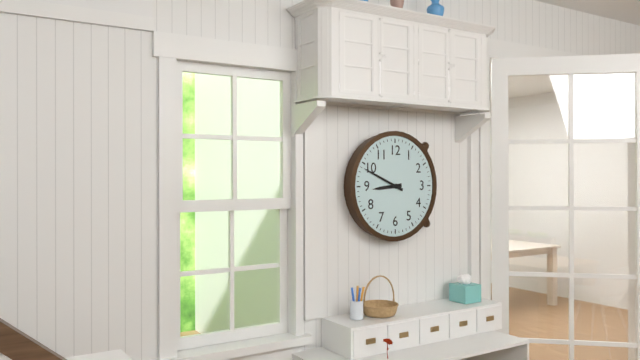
8:49
